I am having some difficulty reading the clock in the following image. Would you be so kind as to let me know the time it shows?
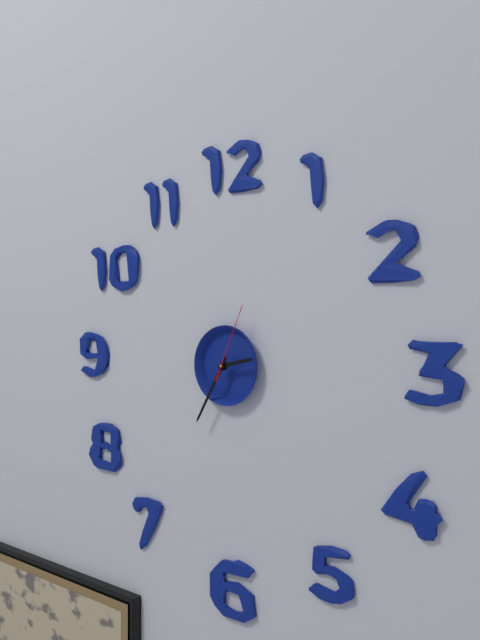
2:35:04
